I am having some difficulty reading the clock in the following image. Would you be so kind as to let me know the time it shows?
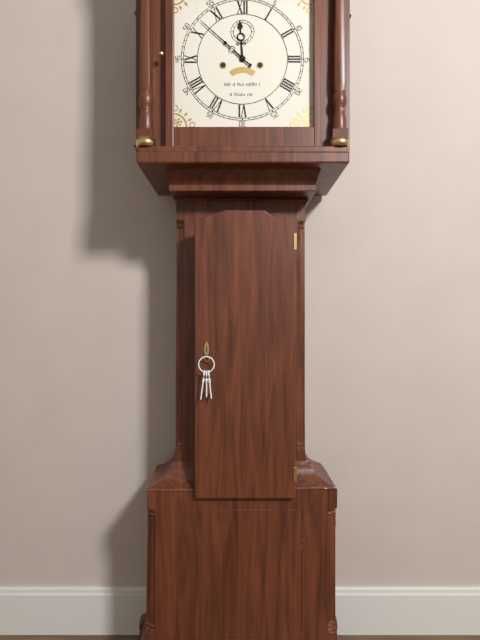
11:52
